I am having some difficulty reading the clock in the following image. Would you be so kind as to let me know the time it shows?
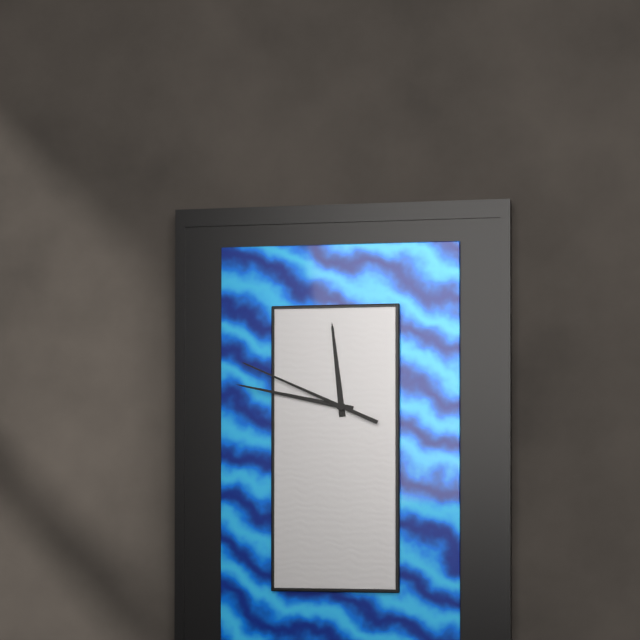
11:47:49
